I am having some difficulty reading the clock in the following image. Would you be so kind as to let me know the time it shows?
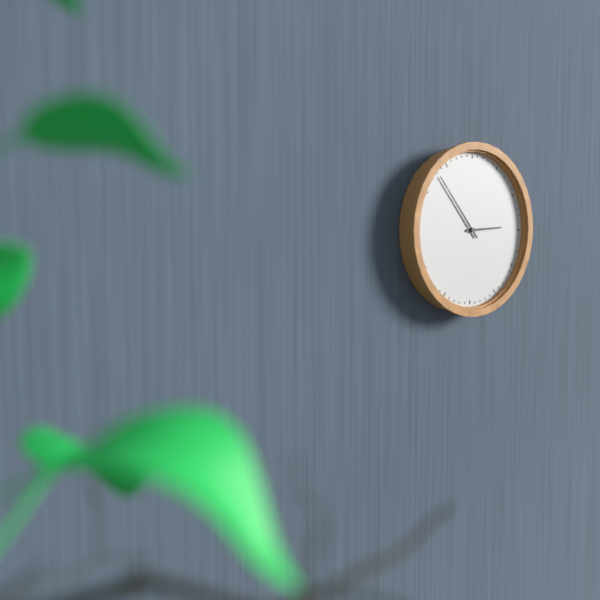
2:53
